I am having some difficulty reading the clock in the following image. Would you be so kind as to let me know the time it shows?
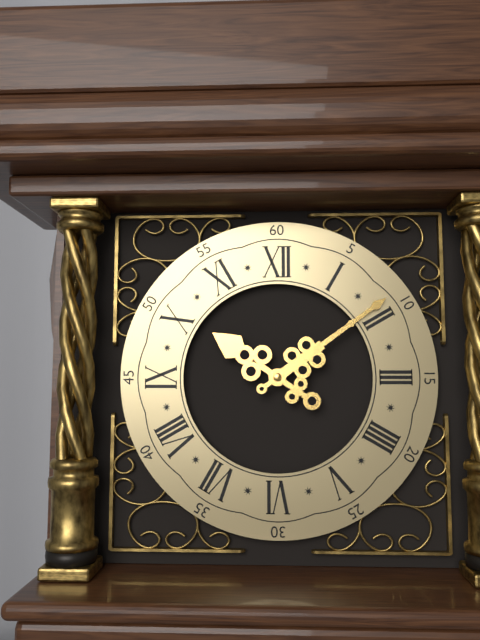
10:09
